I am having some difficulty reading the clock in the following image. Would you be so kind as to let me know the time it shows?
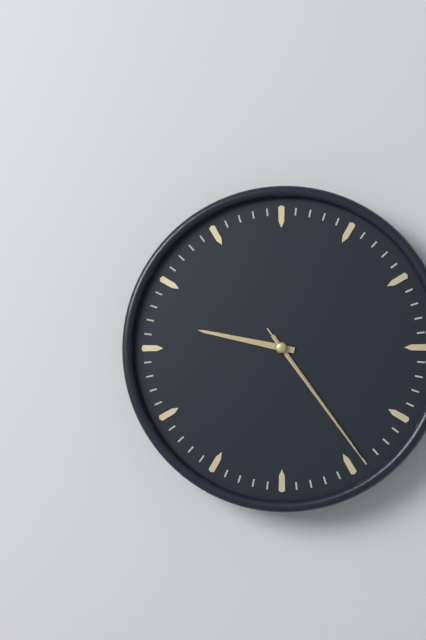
9:24:24
